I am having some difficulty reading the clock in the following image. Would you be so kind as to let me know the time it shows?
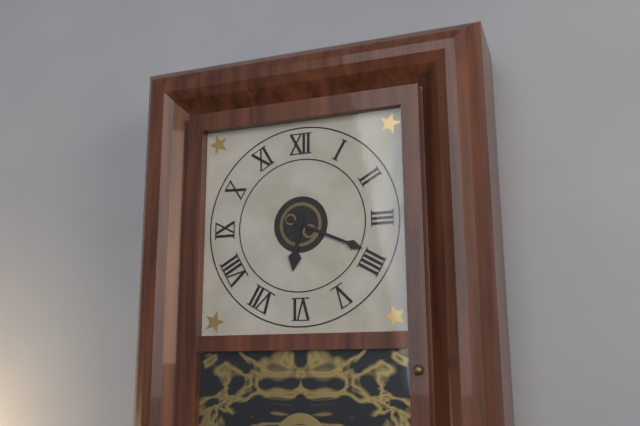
6:19
